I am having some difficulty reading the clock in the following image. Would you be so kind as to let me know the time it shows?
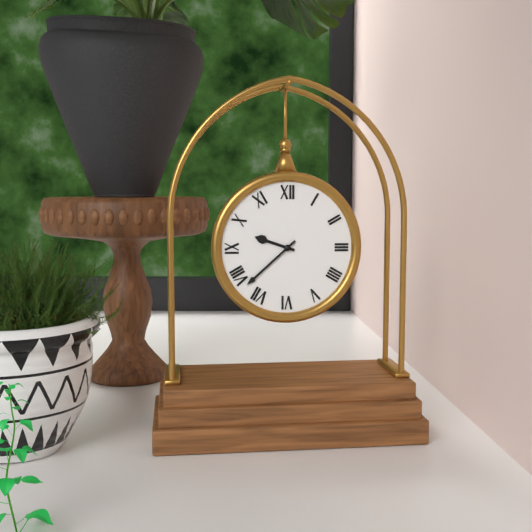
9:38
